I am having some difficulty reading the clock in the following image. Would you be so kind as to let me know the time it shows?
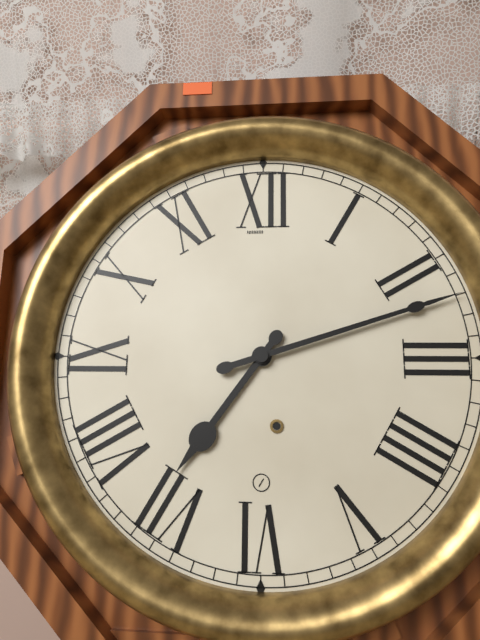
7:12
